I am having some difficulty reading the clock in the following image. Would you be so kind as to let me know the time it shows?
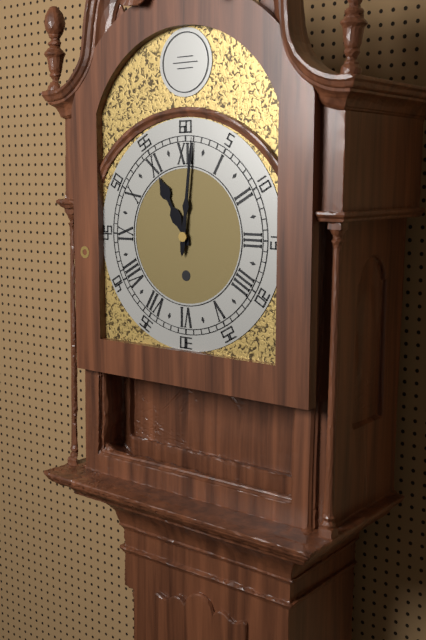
11:01
